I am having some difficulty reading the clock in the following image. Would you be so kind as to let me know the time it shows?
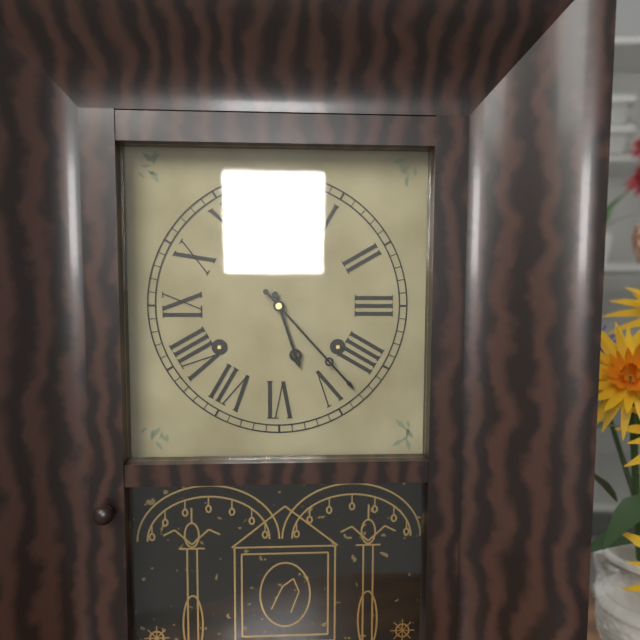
5:23
